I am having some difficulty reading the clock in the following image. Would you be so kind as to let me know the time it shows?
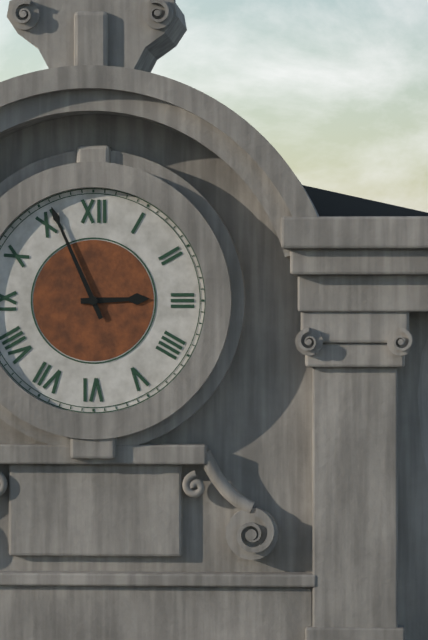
2:56
